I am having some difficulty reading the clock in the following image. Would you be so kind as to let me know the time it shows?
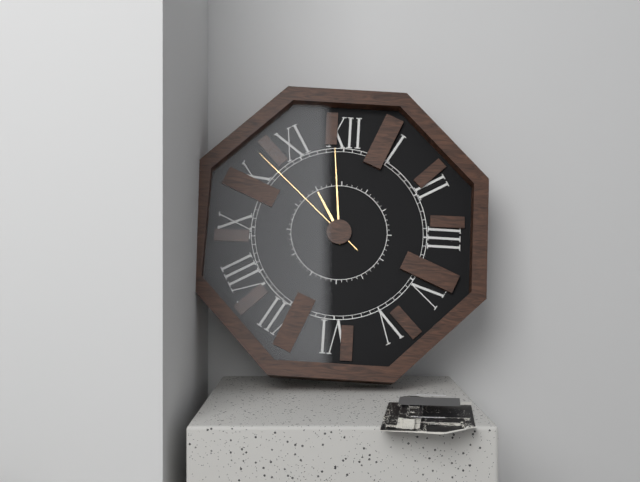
10:59:52
